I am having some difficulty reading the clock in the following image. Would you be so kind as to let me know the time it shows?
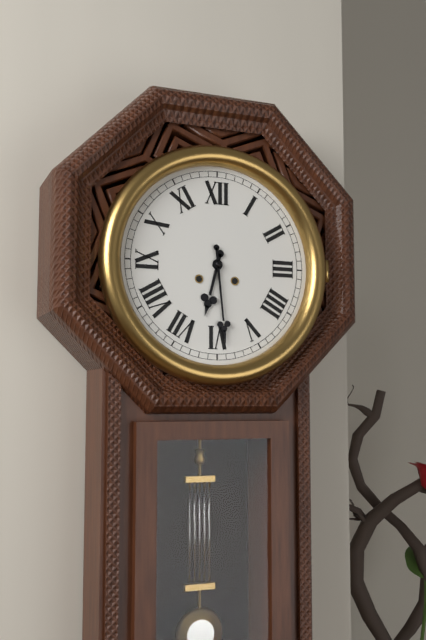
6:29
